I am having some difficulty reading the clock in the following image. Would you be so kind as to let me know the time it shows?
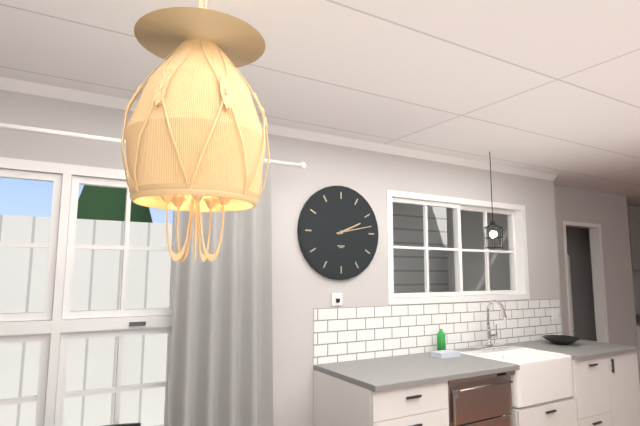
2:13
